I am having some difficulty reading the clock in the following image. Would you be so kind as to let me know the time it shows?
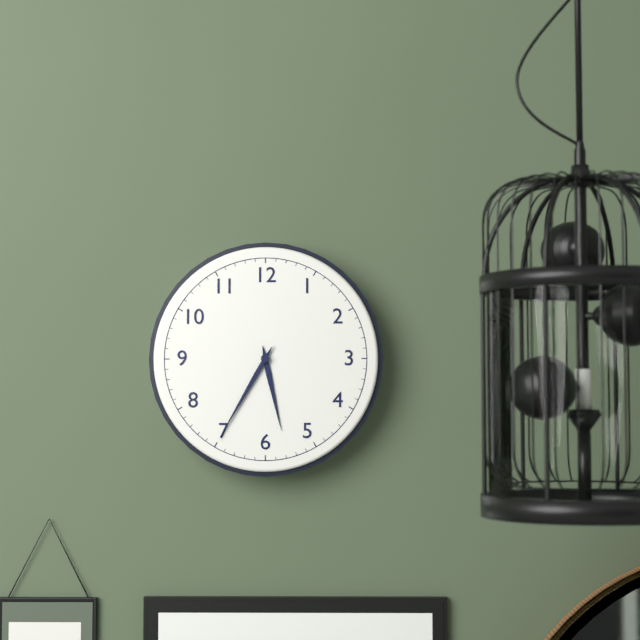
5:35
